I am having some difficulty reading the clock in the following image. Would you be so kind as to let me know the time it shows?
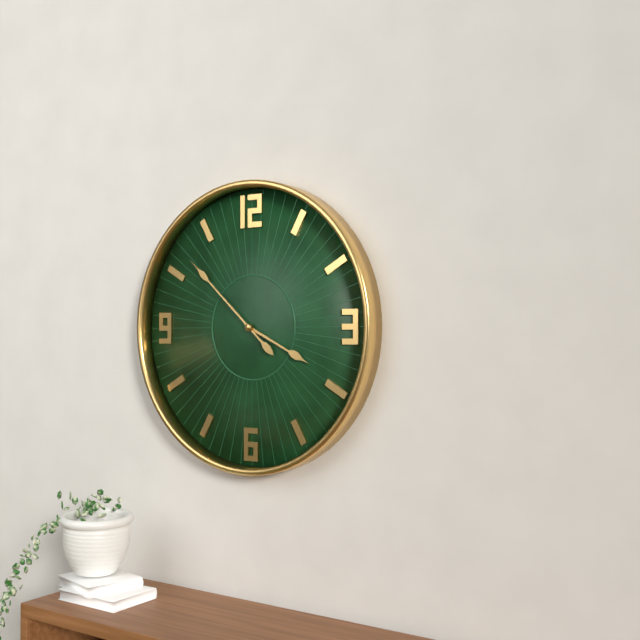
3:52
